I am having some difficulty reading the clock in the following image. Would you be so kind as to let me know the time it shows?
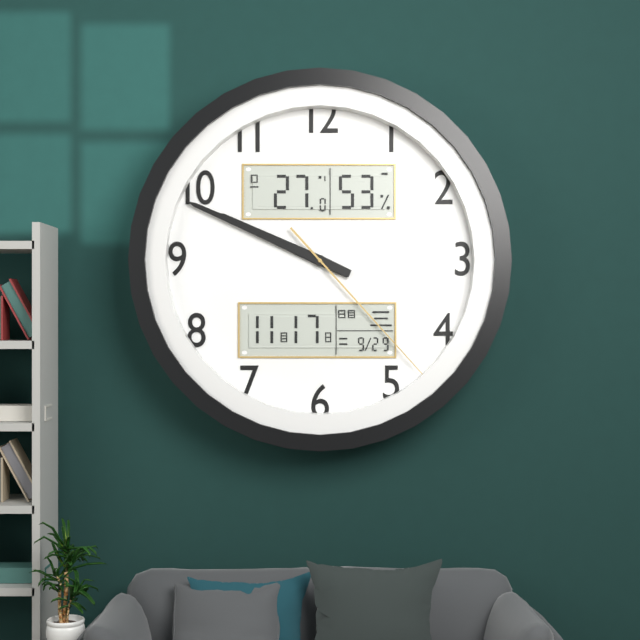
9:49:23
